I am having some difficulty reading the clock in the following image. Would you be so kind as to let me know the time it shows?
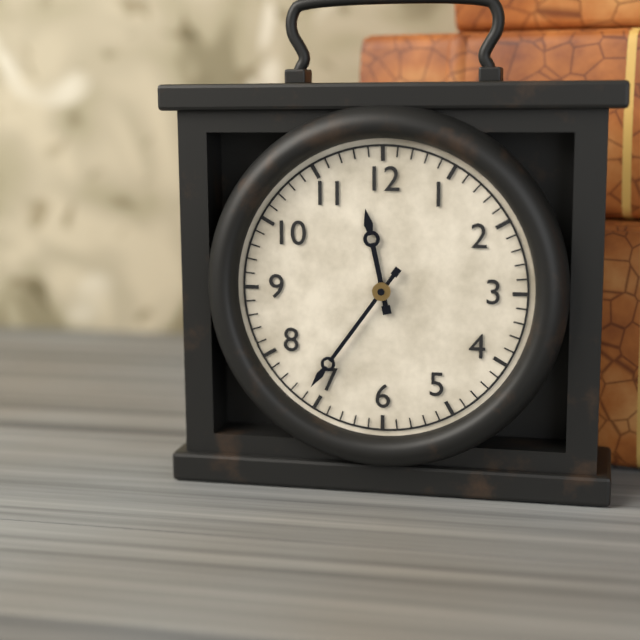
11:36
